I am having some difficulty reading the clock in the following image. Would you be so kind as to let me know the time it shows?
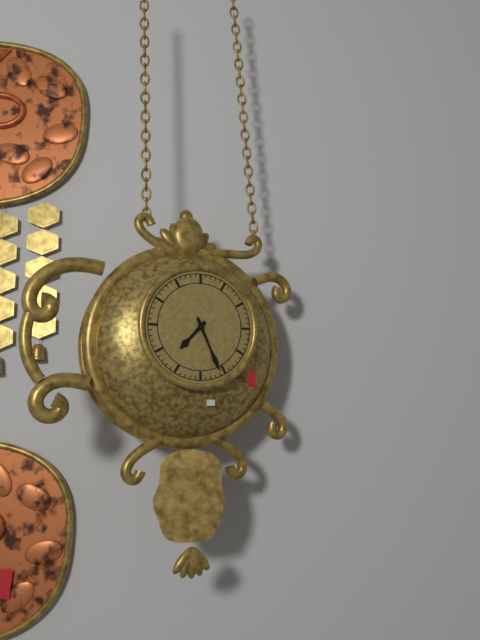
7:26
